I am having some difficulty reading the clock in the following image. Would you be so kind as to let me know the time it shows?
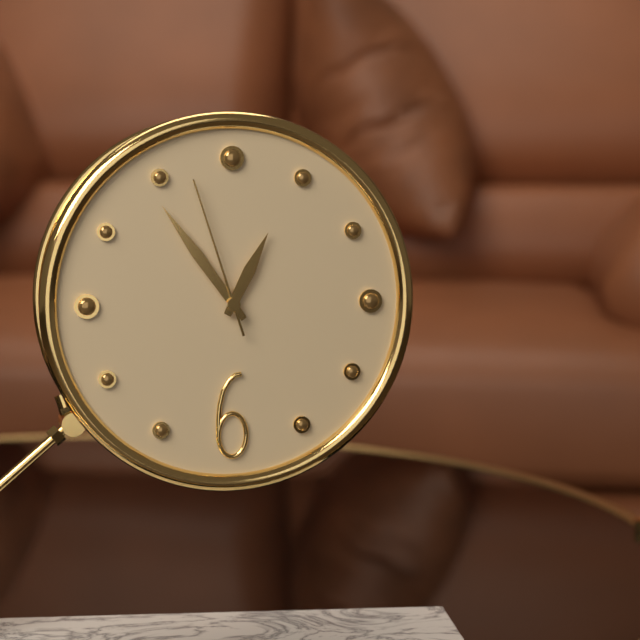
12:54:57
